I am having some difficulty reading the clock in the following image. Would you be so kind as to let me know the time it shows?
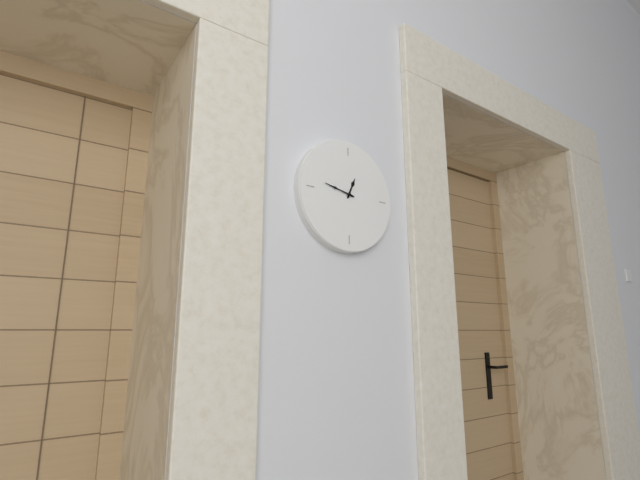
12:47
